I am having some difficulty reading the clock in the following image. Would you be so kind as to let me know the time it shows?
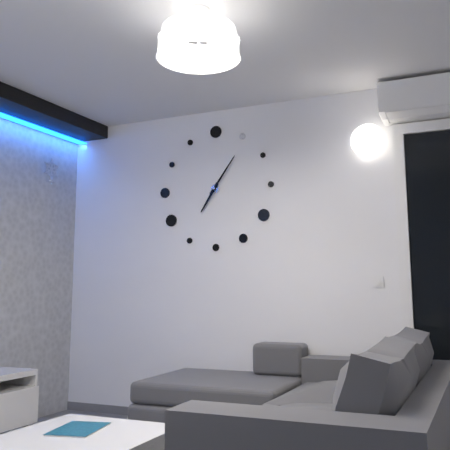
7:06
